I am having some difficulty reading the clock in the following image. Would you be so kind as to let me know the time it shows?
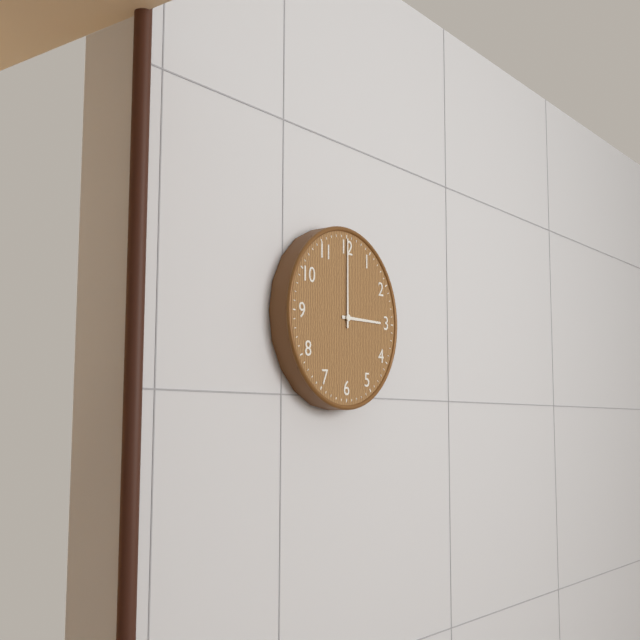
3:00
